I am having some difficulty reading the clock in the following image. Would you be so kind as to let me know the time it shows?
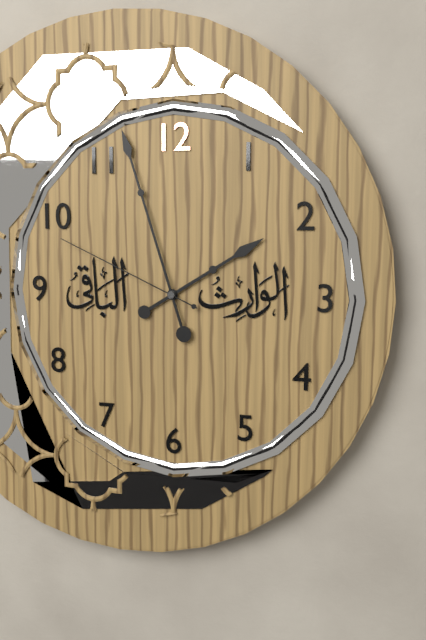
1:57:49
